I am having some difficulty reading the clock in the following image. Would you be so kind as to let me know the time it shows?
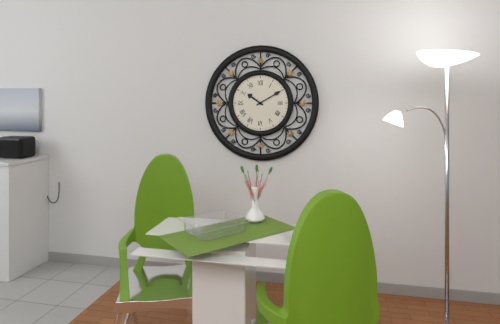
10:10
